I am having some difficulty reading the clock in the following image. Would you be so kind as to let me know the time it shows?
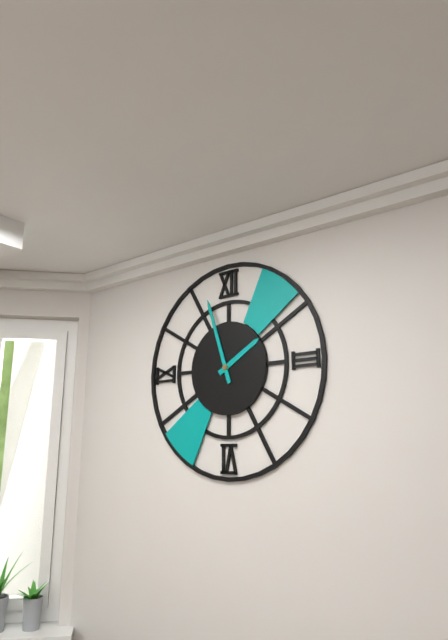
1:57
